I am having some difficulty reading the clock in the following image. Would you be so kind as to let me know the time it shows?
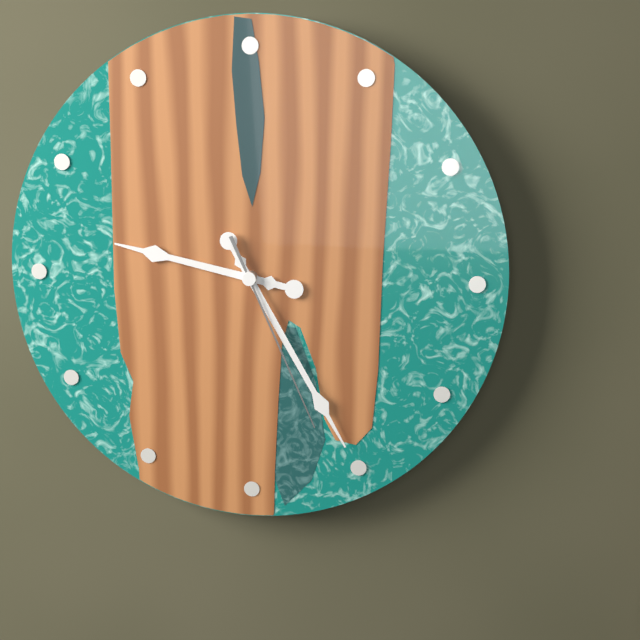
9:25:26
